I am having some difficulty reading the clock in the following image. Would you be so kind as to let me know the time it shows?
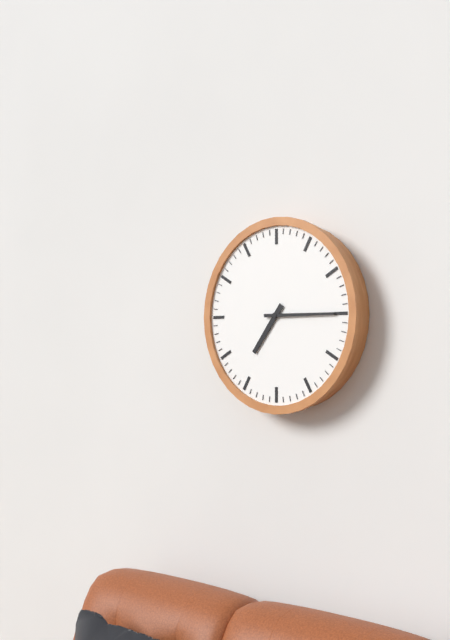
7:15
